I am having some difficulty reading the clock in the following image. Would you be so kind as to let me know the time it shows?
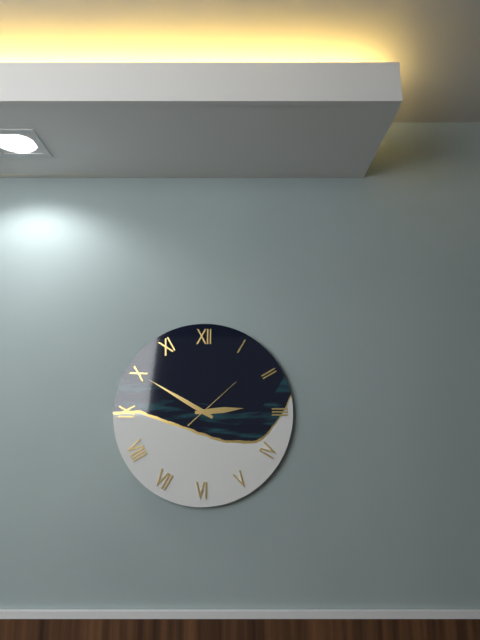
2:50:08
